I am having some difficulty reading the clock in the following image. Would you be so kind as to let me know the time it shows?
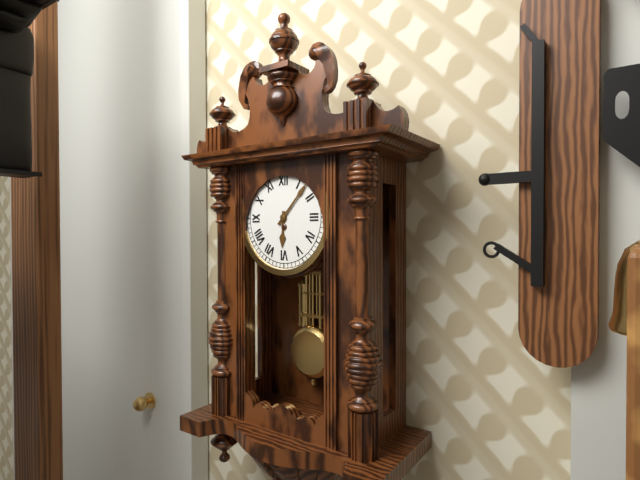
6:07
